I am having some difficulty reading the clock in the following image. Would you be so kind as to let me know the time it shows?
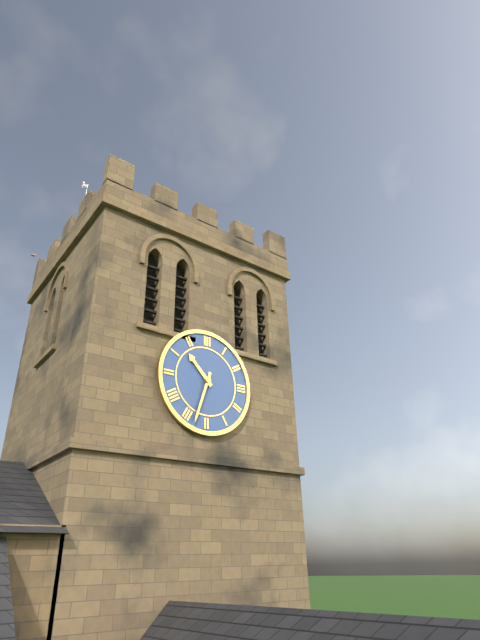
10:33
